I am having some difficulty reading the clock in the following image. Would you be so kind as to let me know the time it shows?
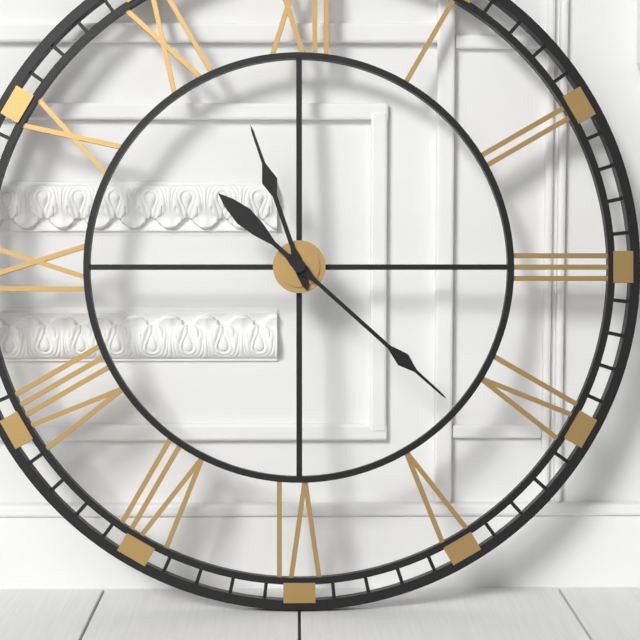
11:22
